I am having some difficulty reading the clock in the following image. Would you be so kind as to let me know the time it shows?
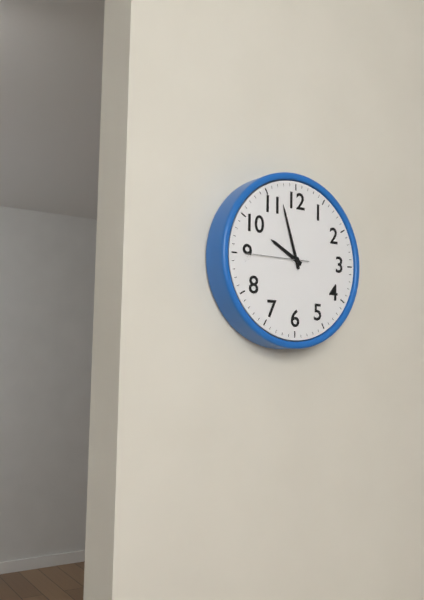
9:57:45
